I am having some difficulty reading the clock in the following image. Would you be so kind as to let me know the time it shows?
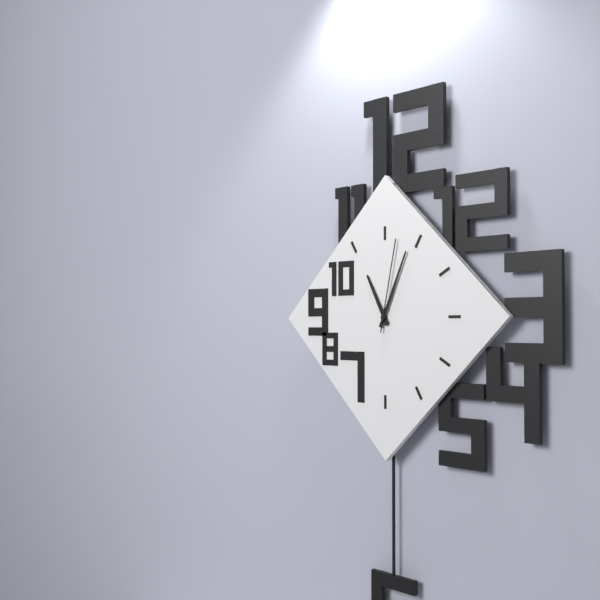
11:04:02
